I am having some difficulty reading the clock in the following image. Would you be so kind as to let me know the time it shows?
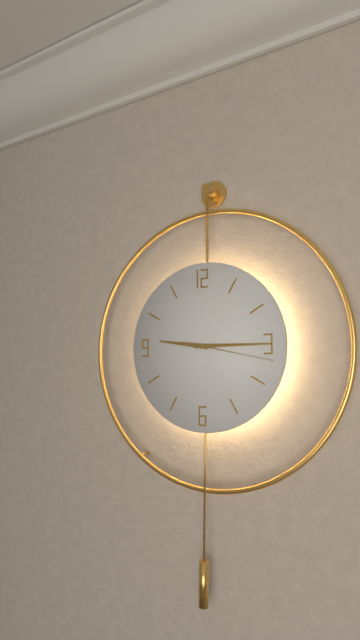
9:15:17
